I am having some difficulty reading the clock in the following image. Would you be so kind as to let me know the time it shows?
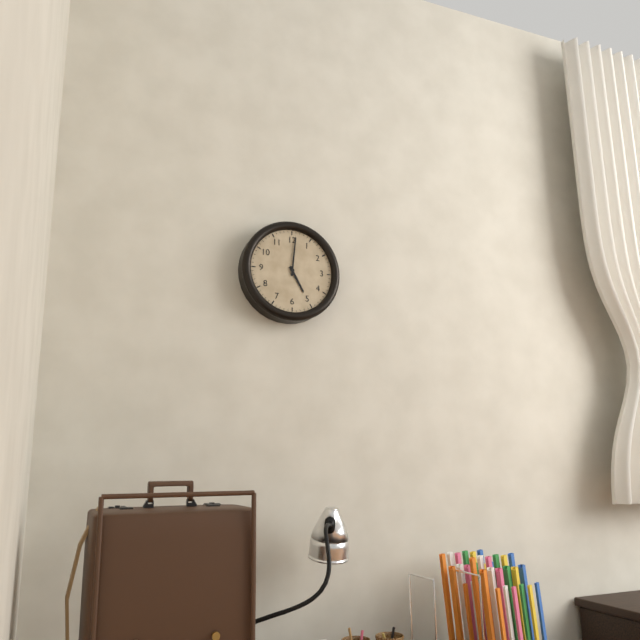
5:01
